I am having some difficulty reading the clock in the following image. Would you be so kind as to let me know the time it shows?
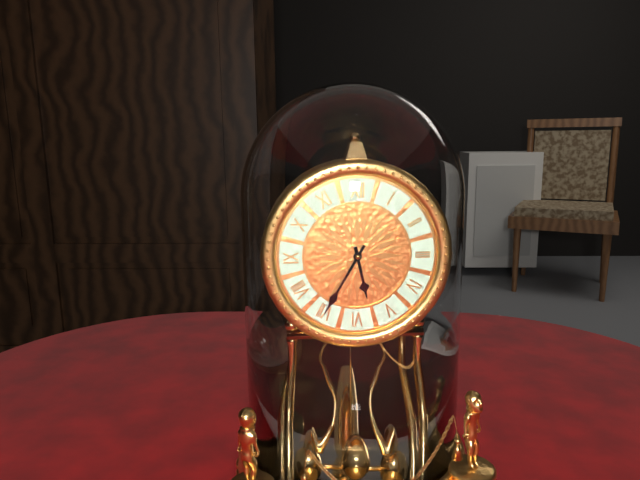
5:35
